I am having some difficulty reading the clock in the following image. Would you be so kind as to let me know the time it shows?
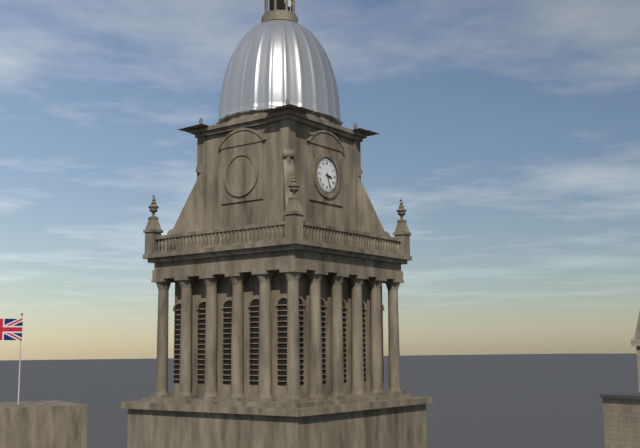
3:27
